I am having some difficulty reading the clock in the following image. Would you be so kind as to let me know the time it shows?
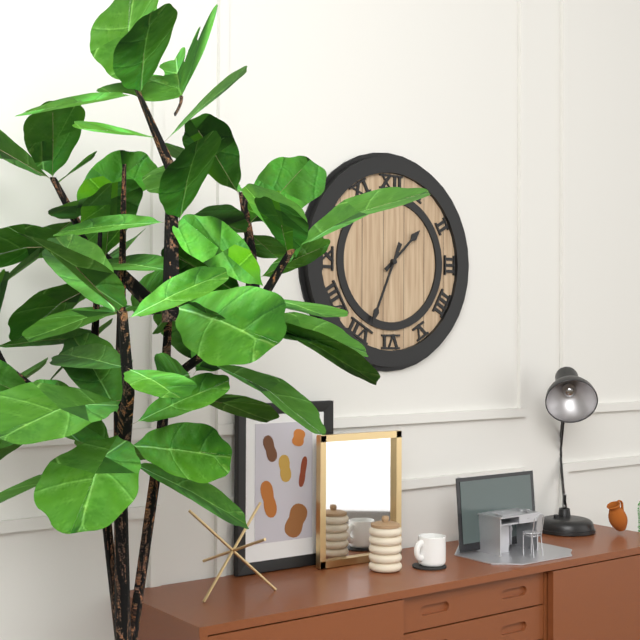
1:34
